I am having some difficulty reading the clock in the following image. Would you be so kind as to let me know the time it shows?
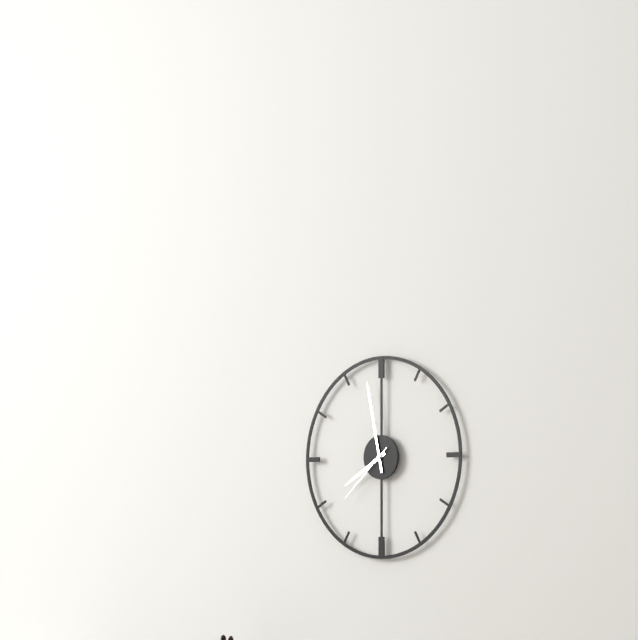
7:58:38
